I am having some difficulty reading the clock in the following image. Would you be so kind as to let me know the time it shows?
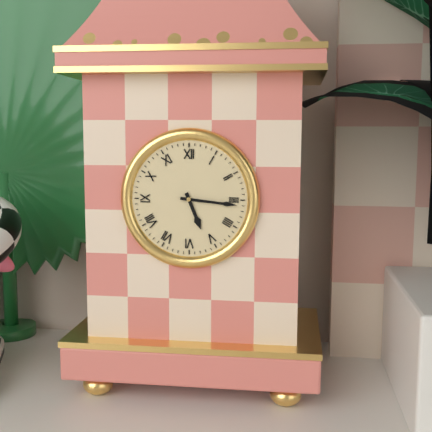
5:16
